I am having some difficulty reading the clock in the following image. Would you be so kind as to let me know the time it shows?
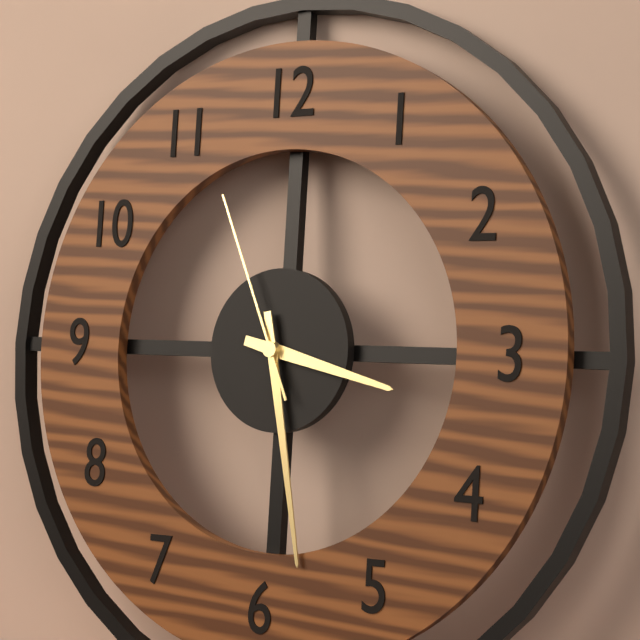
3:28:56
